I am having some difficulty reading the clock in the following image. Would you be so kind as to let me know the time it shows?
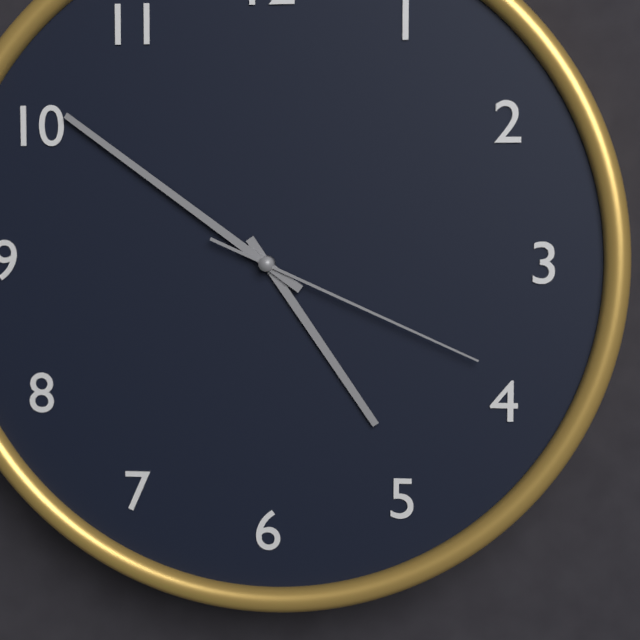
4:51:19
